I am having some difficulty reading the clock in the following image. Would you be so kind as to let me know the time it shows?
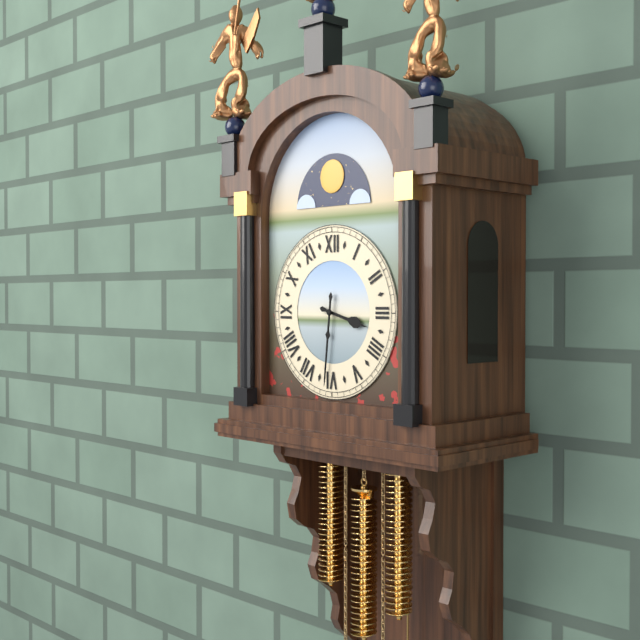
3:31
